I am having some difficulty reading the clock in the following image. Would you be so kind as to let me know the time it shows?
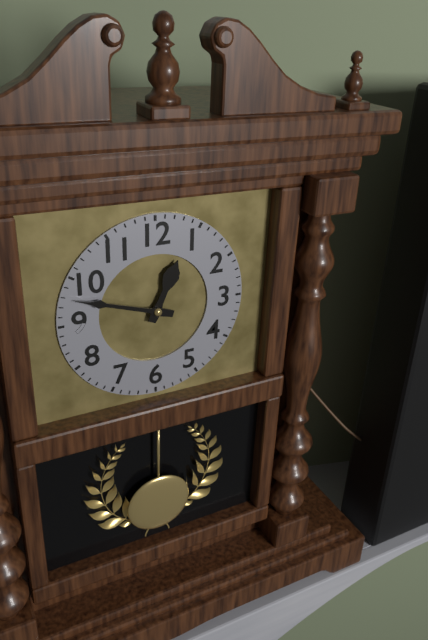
12:48
